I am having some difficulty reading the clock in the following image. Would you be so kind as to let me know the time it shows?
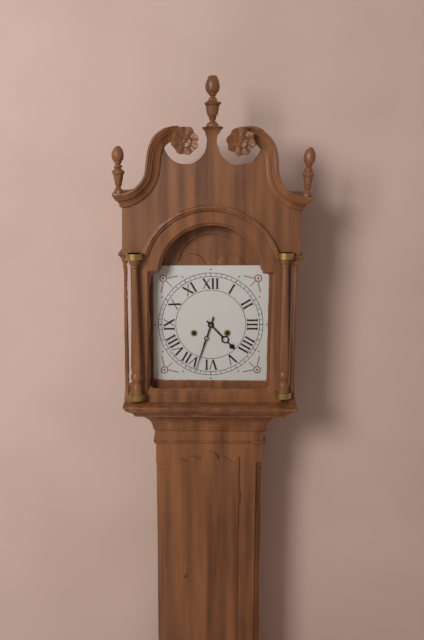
4:33
